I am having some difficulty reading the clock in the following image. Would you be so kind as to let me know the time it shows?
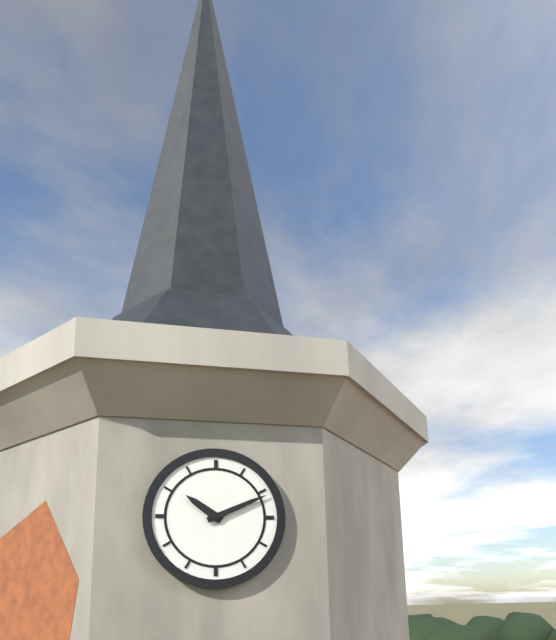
10:11
